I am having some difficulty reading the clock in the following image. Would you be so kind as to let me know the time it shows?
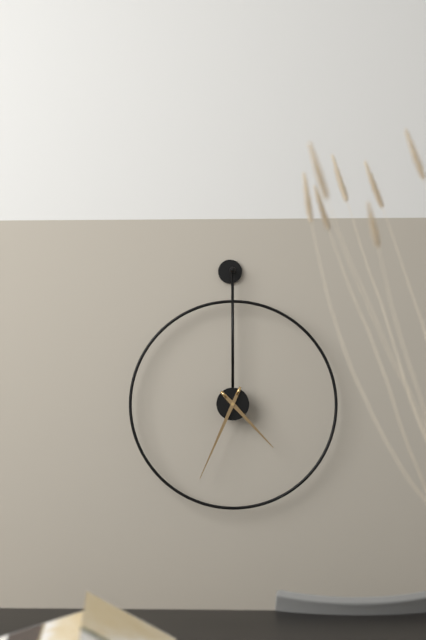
4:34
